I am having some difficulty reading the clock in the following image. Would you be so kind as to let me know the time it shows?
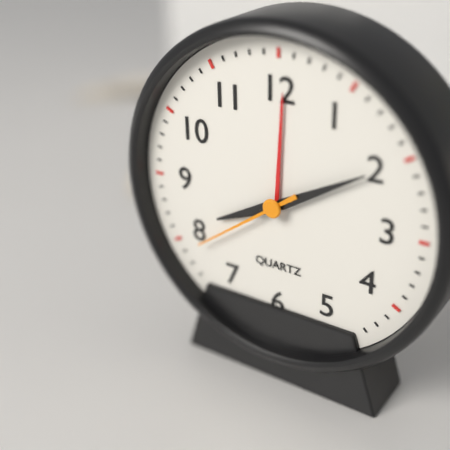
8:10:39
